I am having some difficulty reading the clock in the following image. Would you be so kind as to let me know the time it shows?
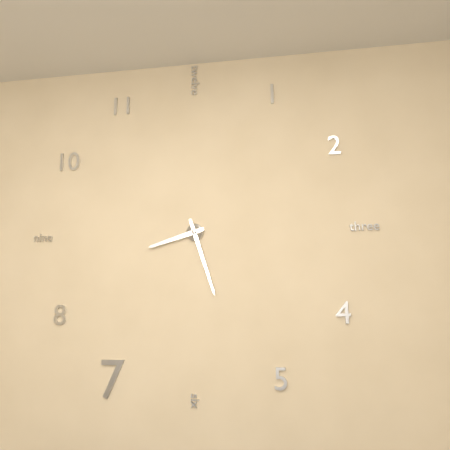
8:27
